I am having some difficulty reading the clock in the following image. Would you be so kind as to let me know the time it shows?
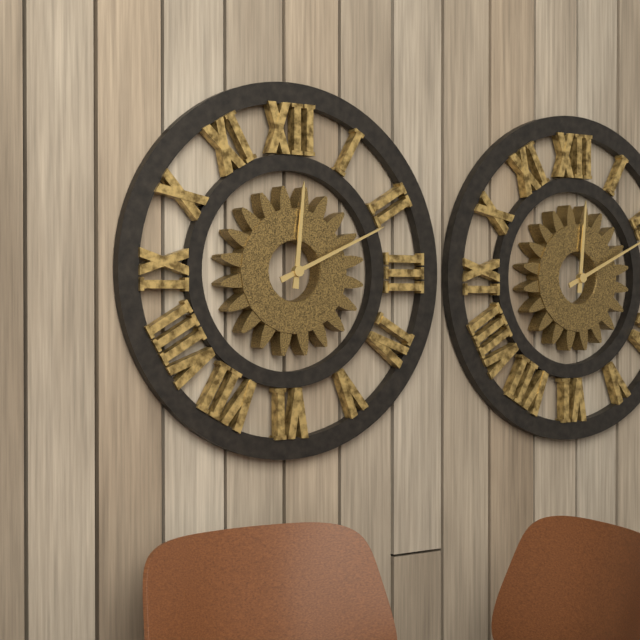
12:11
